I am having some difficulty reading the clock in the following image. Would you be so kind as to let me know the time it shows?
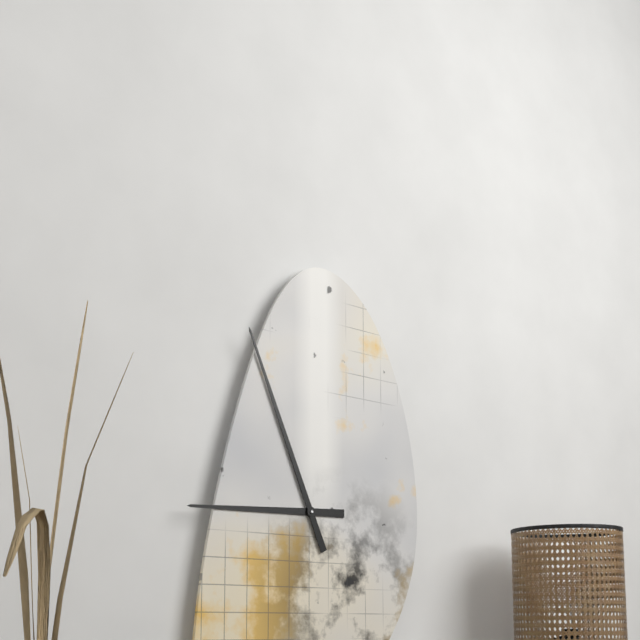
8:56
